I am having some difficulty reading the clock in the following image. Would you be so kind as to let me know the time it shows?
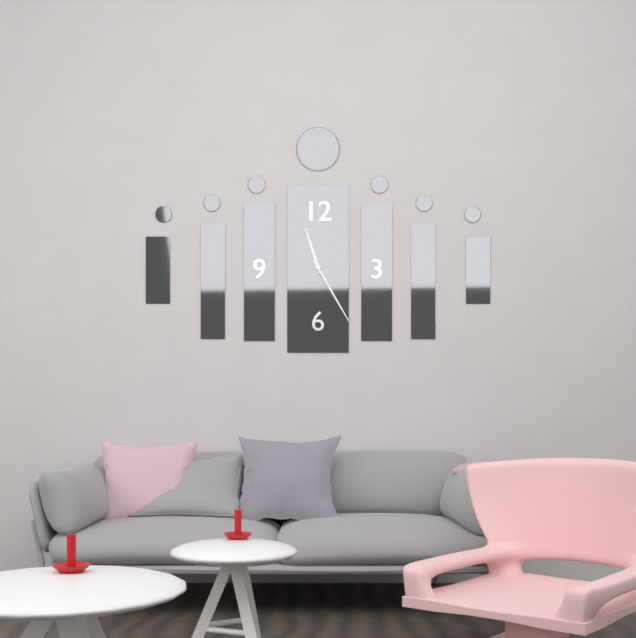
11:25
